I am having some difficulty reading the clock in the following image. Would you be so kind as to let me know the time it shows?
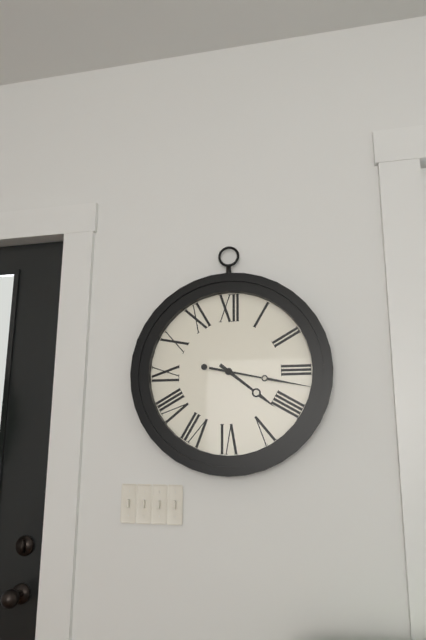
4:17
